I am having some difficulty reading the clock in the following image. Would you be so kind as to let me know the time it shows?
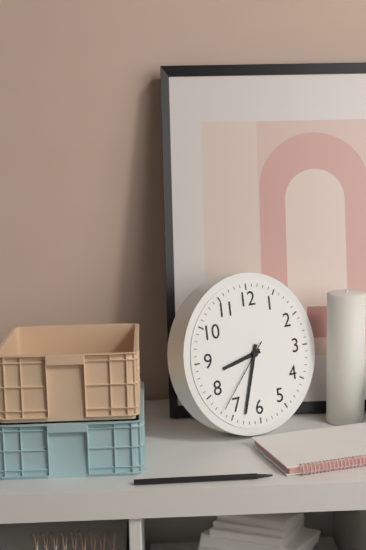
8:33:37
